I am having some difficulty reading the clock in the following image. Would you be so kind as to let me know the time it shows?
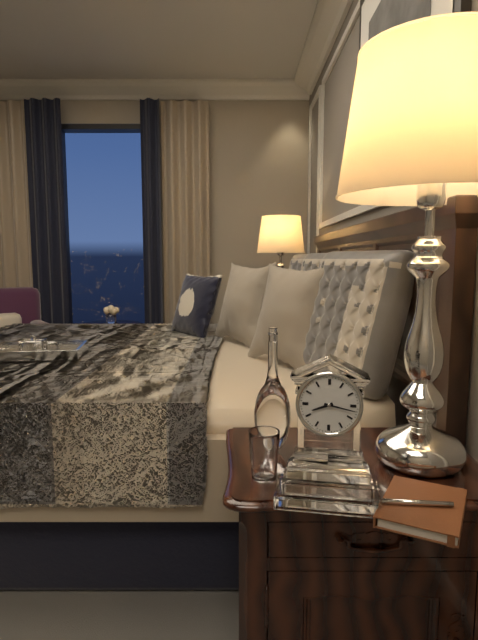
8:17
